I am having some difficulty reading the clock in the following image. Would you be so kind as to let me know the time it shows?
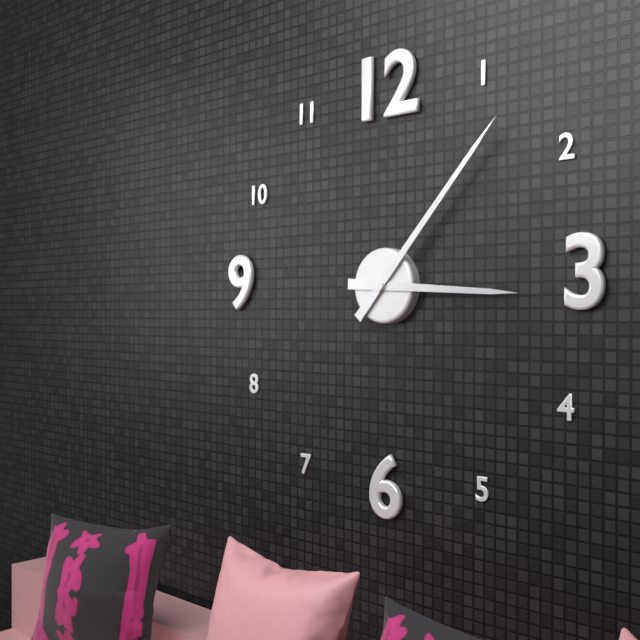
3:07
